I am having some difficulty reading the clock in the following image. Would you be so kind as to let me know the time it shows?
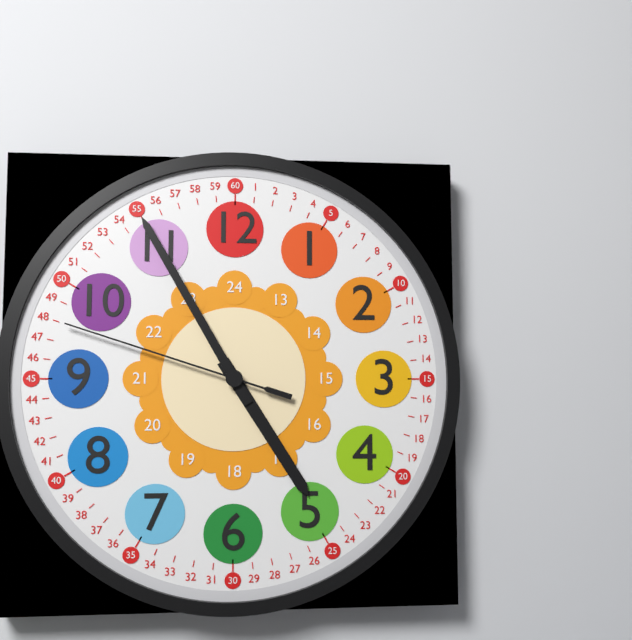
4:55:48
